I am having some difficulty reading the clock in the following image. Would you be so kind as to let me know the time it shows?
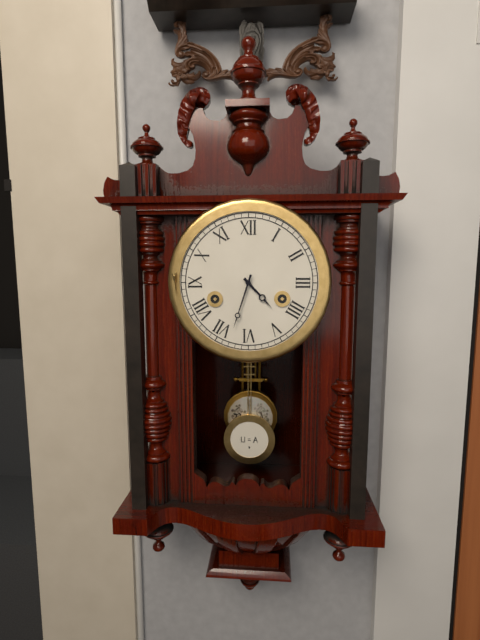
4:33
